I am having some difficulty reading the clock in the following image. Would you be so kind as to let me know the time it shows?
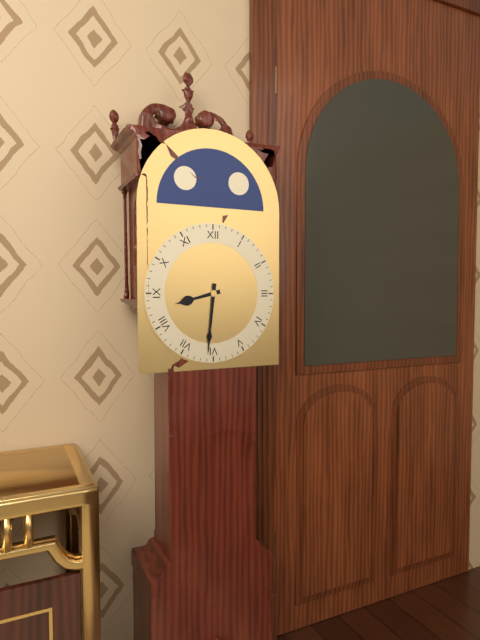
8:31
